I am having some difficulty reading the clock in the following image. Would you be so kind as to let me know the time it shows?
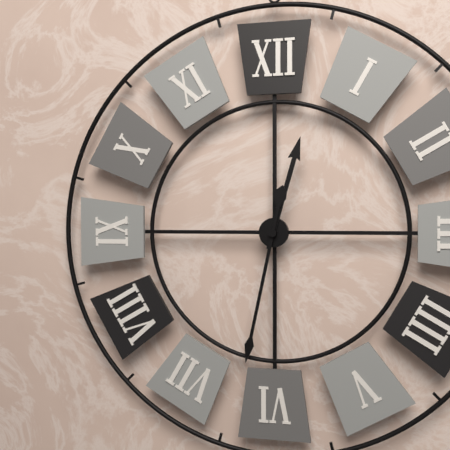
12:32
